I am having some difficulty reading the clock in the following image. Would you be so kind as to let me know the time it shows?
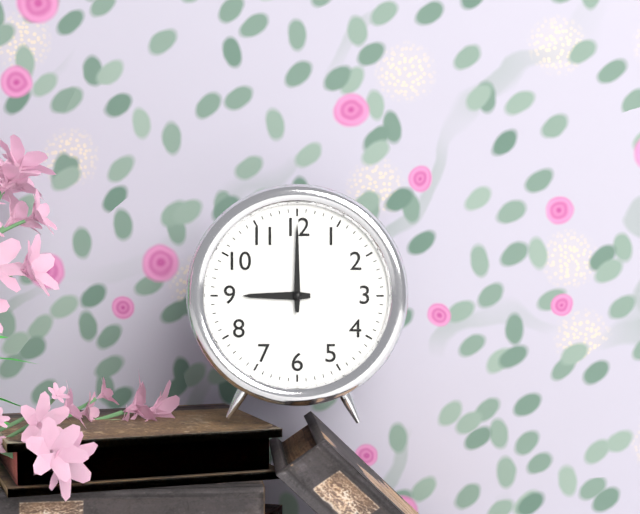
9:00
